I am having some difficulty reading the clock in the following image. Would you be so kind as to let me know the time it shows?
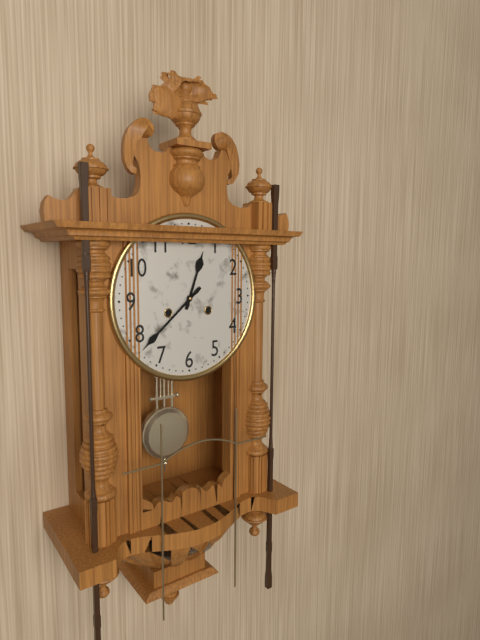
12:38
